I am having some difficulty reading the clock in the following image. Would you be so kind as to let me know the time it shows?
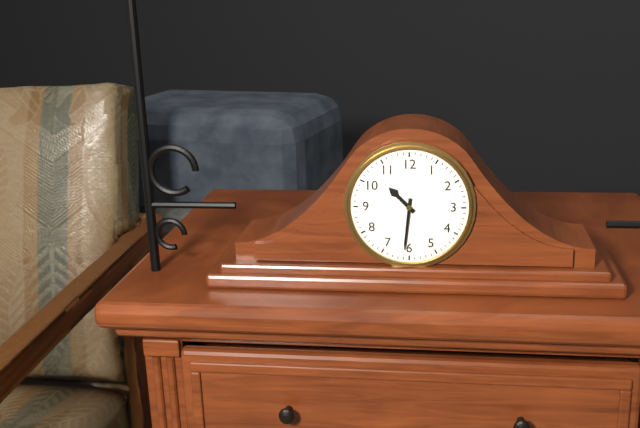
10:31
